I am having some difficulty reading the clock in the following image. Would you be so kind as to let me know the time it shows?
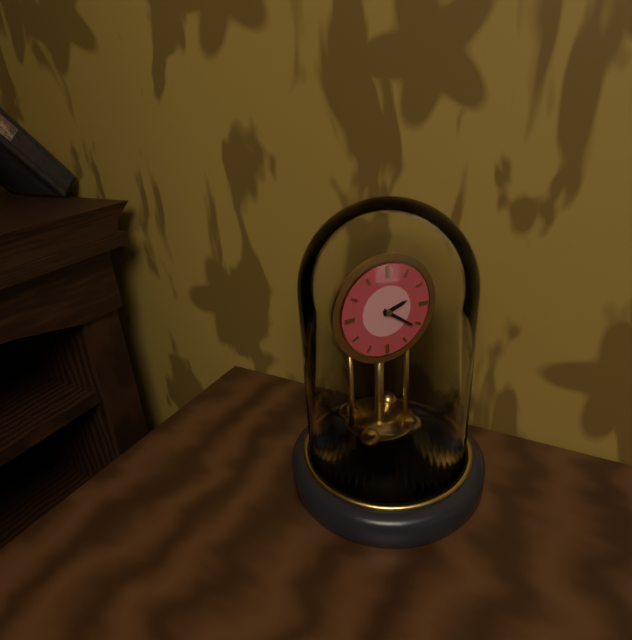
2:21
